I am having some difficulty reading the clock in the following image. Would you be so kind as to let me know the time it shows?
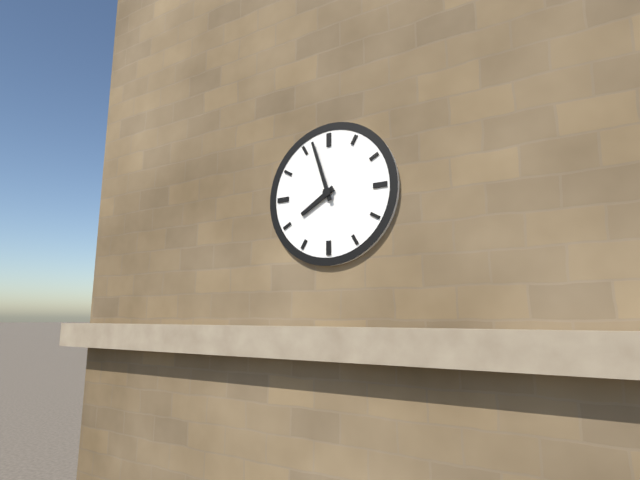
7:57
